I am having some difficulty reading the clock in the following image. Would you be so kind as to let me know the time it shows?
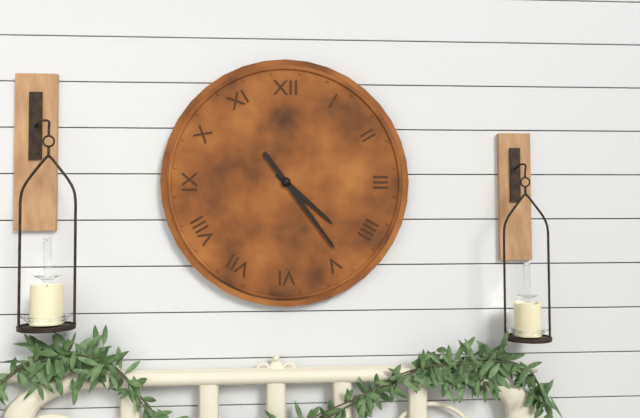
4:24
